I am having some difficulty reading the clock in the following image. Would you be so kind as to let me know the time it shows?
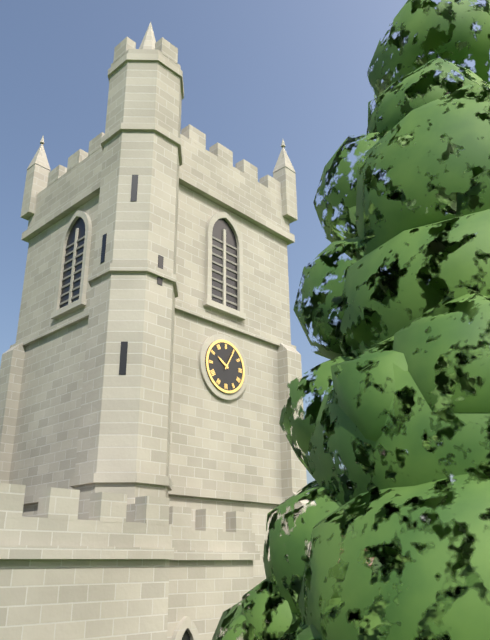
10:05
